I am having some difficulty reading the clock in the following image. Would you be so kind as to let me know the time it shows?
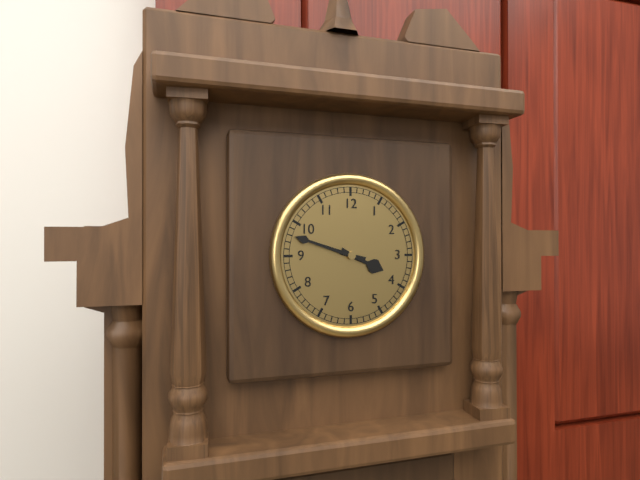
3:48
